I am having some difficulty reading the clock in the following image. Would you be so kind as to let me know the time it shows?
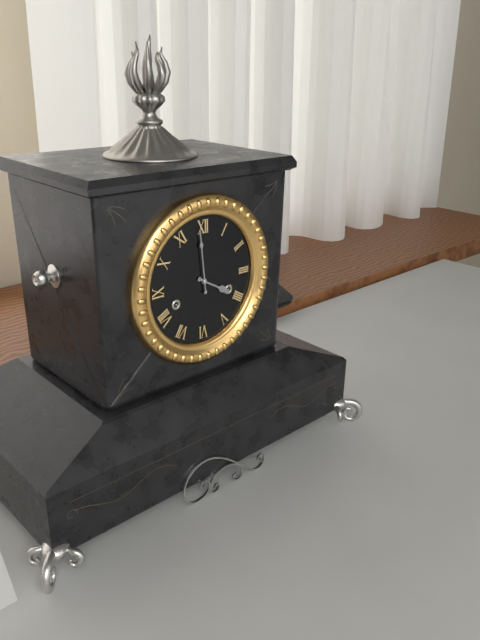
3:59
